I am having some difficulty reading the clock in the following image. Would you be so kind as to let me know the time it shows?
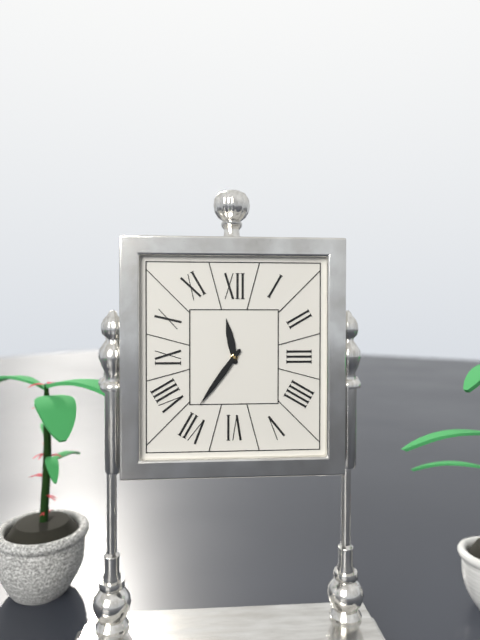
11:36
